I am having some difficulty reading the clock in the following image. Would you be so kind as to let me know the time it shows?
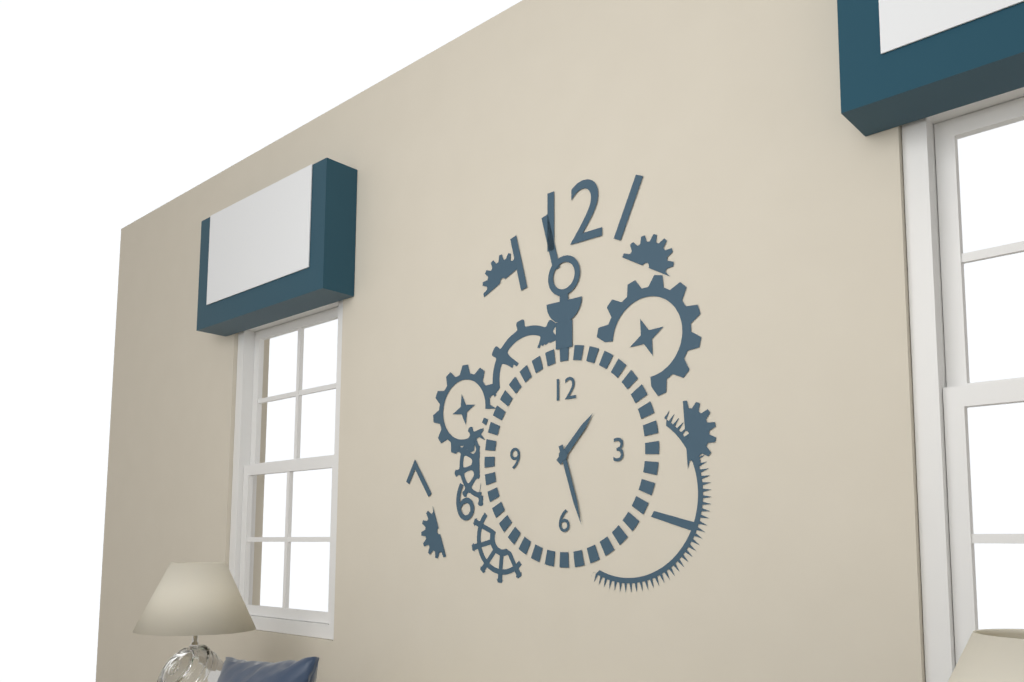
1:27
